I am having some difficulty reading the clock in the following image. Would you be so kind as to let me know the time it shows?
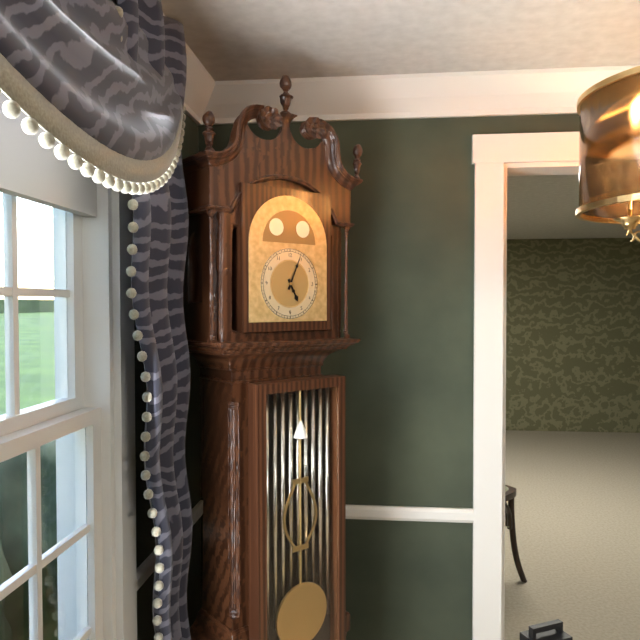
5:04
